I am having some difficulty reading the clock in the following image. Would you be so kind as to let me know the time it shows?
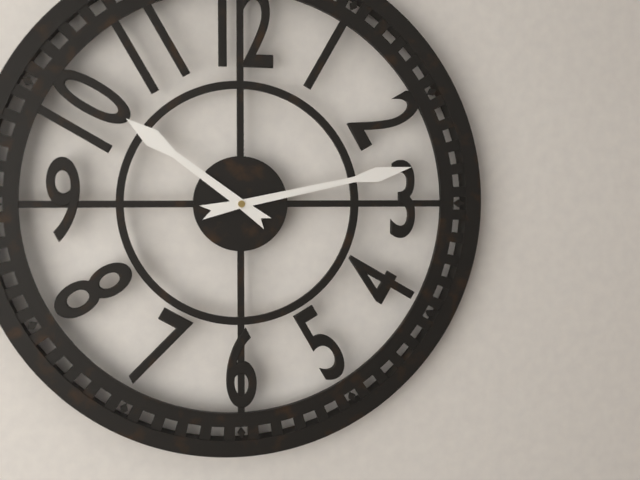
10:13
